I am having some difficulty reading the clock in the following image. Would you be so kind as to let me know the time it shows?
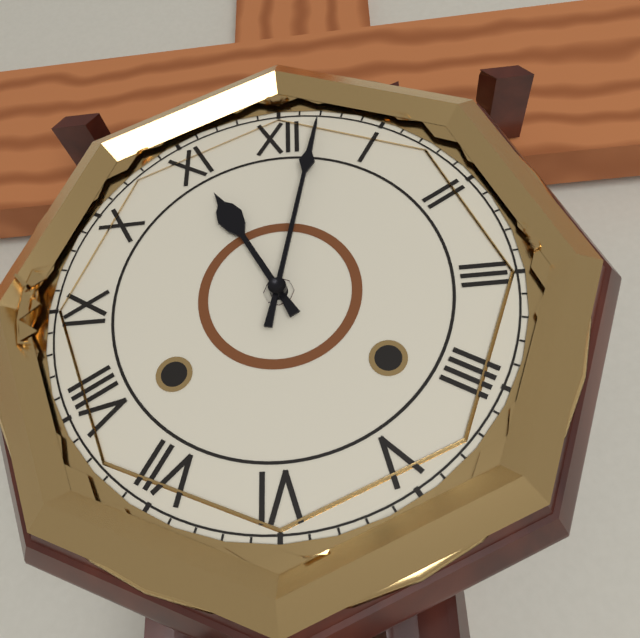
11:02
